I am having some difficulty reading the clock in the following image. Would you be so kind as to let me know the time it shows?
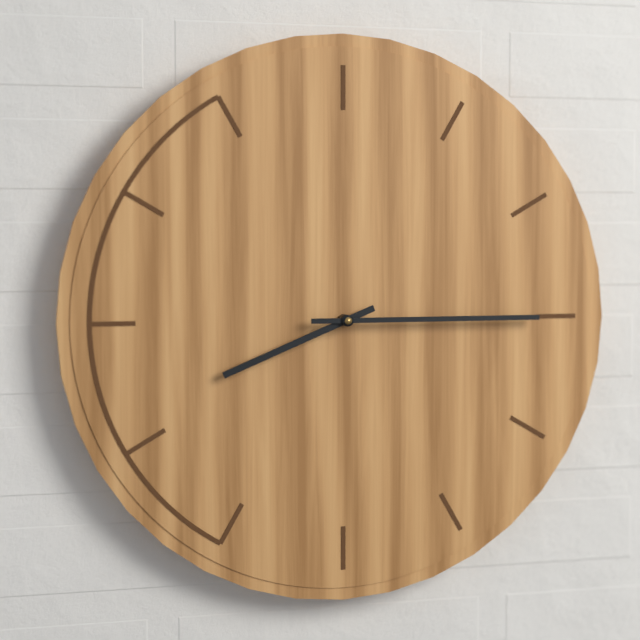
8:15
